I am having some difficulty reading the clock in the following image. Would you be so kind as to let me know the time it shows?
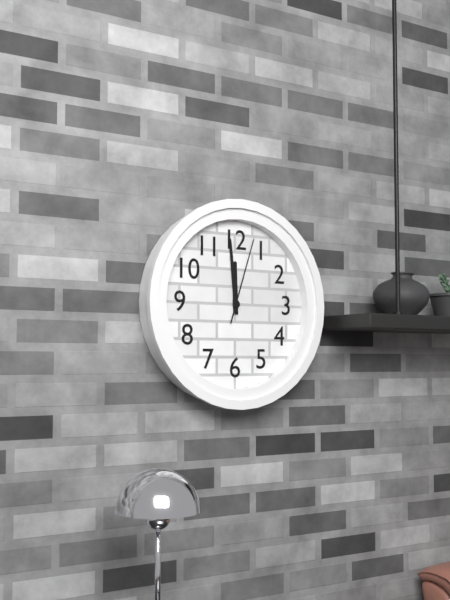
11:59:03
